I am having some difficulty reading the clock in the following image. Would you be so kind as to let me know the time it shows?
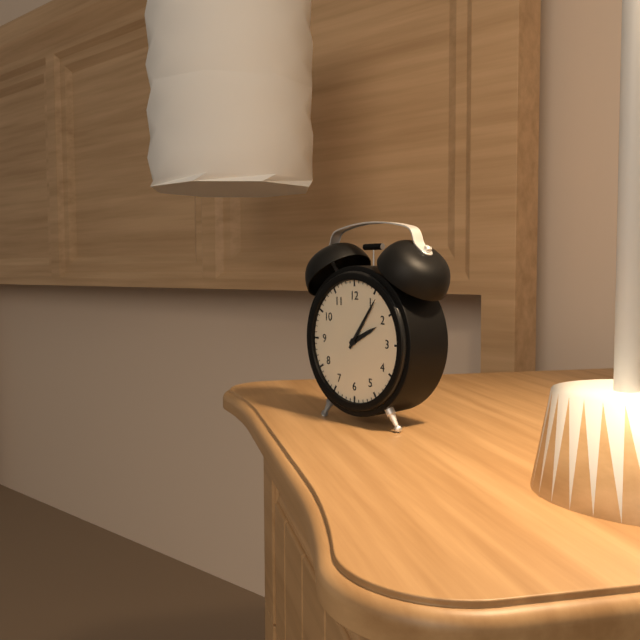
2:06
